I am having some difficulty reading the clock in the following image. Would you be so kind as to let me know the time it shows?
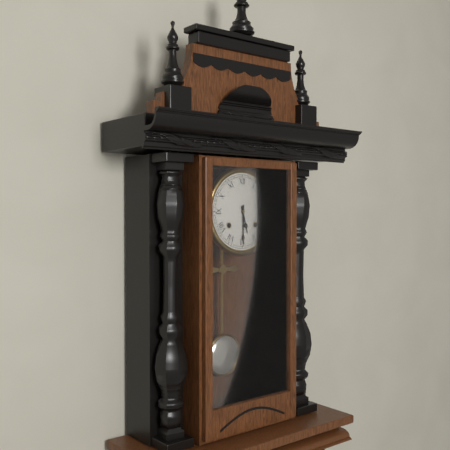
5:30
